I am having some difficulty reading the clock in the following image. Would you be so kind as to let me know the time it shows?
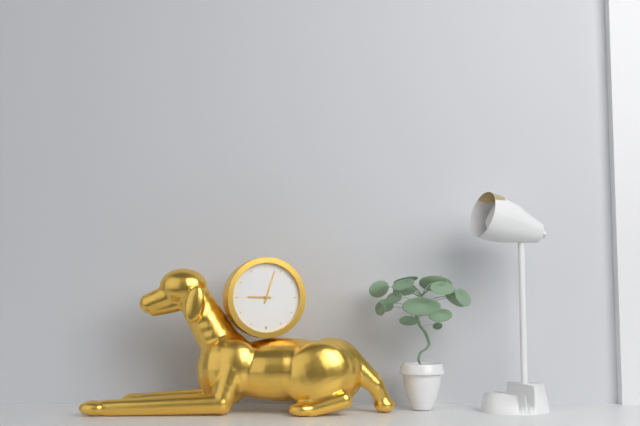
9:03
